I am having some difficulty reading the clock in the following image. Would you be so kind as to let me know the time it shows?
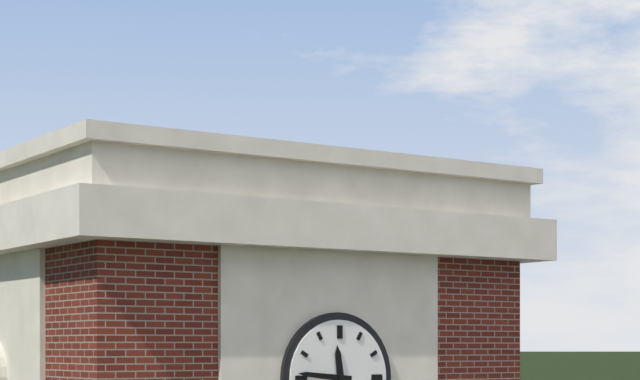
11:46
